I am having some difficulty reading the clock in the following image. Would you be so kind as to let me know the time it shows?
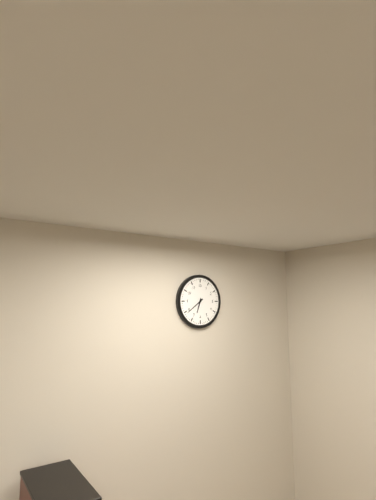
6:39
